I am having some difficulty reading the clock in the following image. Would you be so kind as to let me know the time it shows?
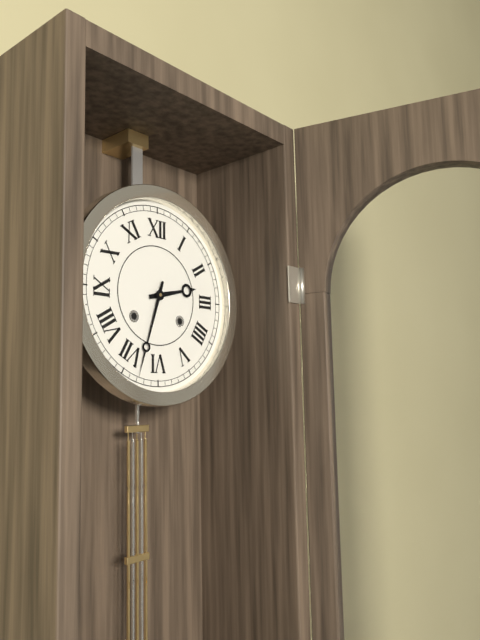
2:33
